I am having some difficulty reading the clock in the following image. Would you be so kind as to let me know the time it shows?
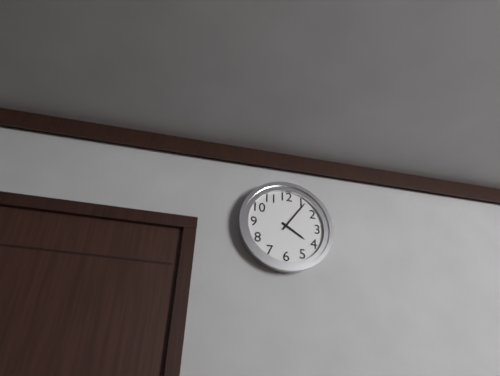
4:06
